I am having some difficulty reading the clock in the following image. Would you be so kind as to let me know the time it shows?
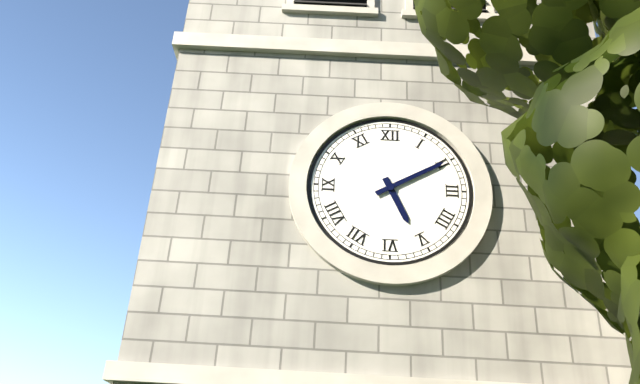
5:10
